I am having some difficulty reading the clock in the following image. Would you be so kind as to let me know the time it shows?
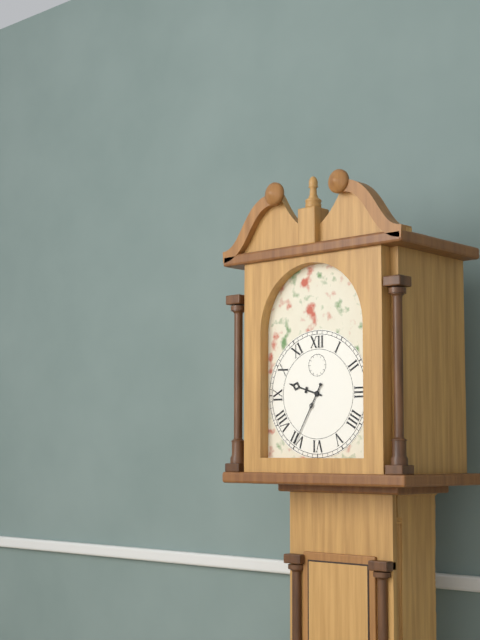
9:35
